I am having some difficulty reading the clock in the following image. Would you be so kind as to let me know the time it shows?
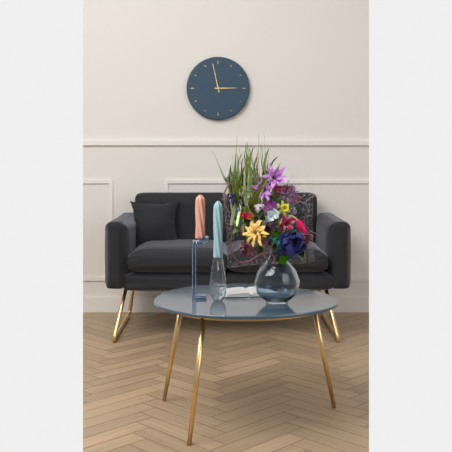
2:58
